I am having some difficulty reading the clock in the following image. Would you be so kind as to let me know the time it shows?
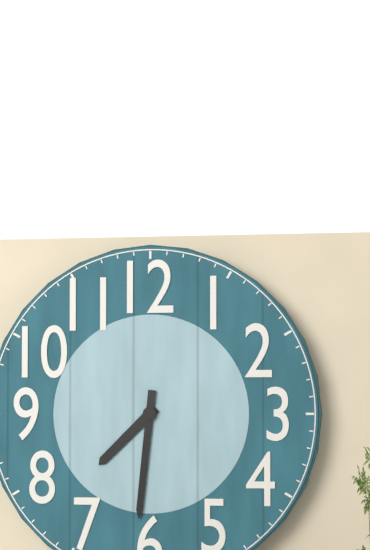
7:31
